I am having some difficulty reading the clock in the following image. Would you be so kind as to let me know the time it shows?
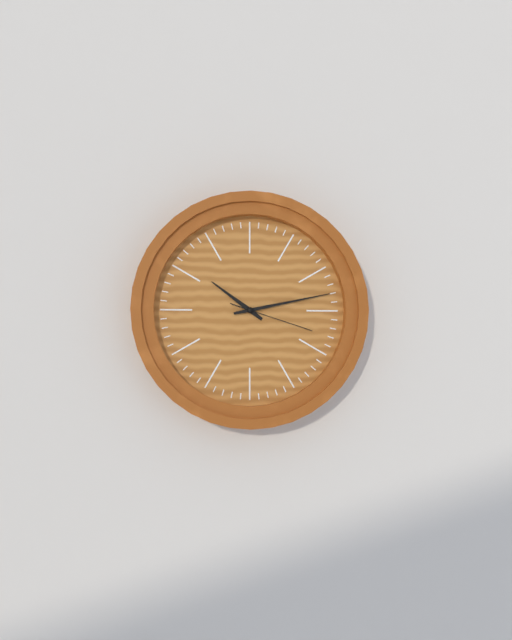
10:13:18
